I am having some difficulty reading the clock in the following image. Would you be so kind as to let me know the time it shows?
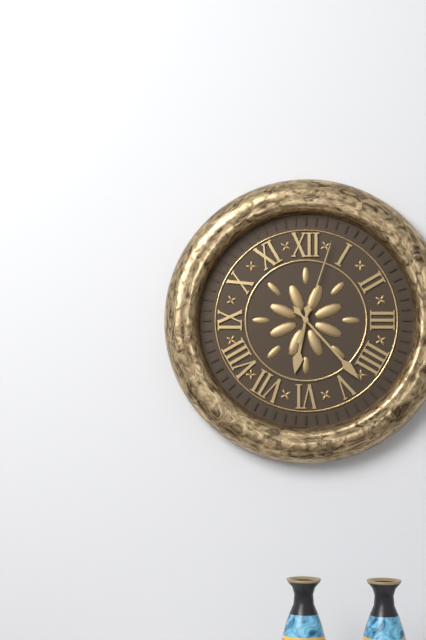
6:23:03
